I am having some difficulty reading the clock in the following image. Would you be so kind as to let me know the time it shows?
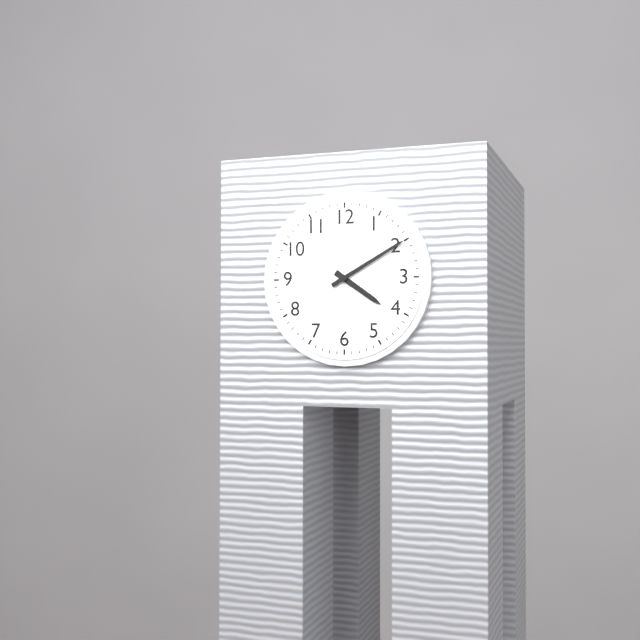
4:10
